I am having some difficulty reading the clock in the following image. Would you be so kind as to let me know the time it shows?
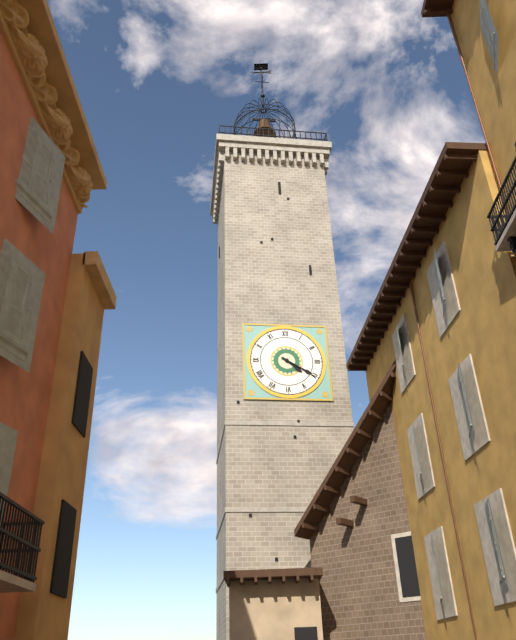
4:20
